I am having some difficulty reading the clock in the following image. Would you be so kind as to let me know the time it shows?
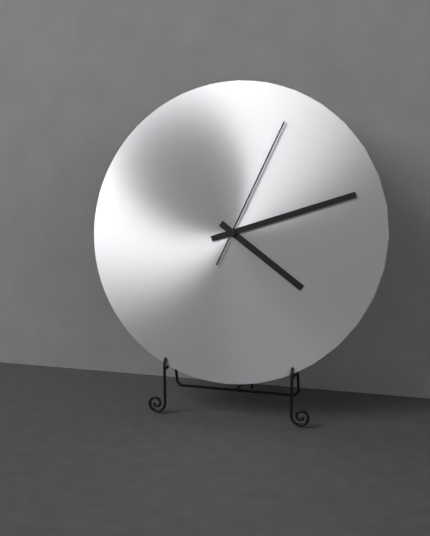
4:12:04
